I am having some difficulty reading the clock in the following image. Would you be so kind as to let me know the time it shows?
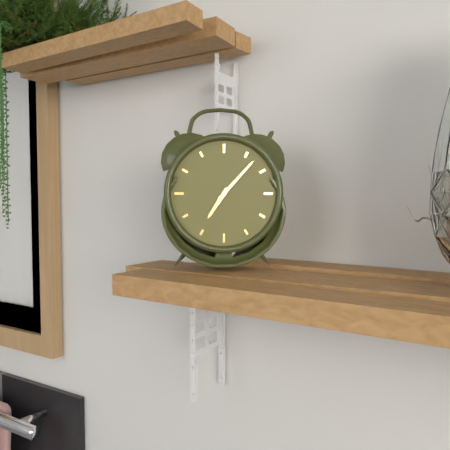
7:07
